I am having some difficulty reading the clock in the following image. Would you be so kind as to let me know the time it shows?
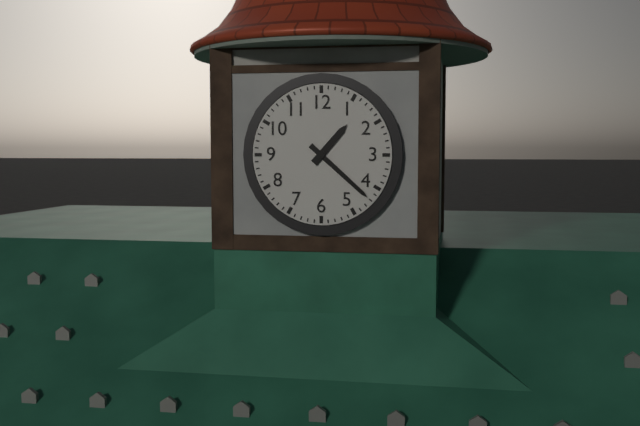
1:22
